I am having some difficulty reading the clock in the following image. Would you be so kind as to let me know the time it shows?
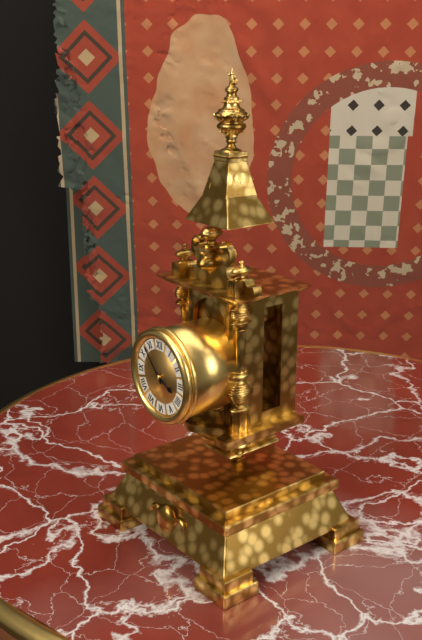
3:53
